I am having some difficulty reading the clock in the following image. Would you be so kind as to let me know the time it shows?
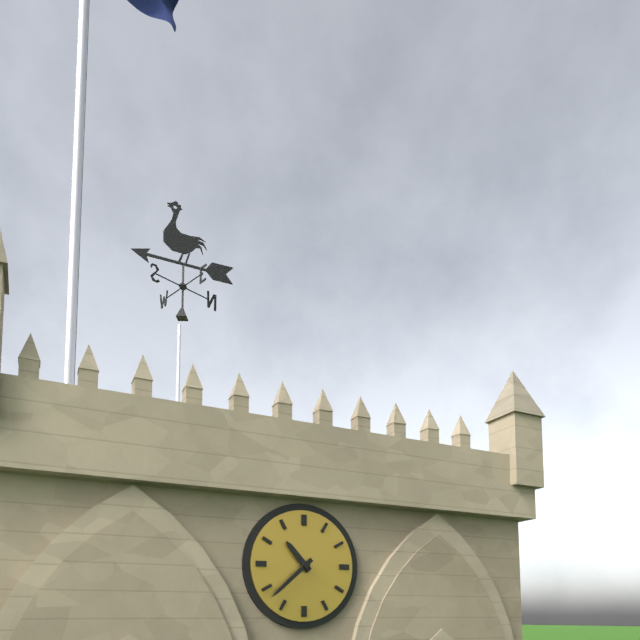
10:38
